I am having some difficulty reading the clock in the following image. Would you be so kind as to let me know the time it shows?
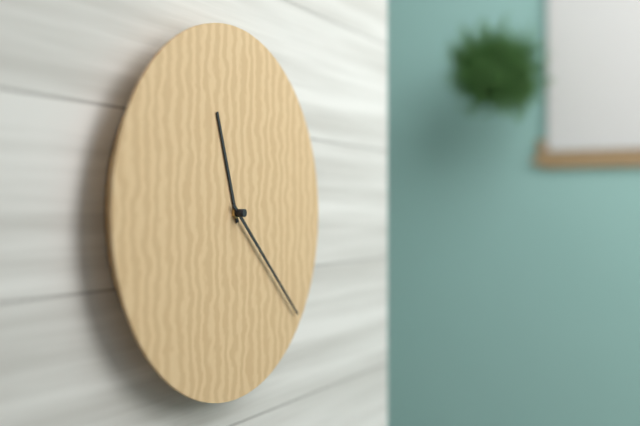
11:22
